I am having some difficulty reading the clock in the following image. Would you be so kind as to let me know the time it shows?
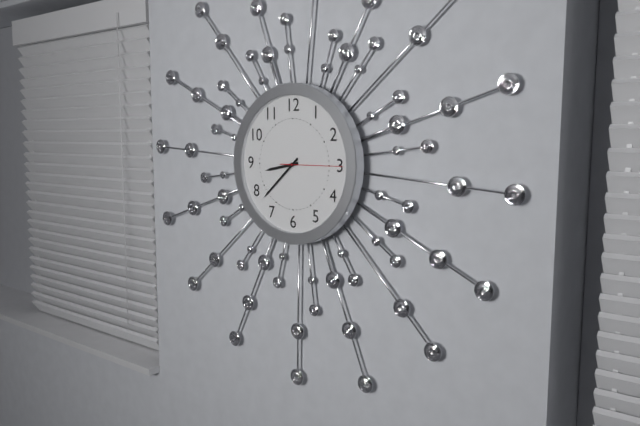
8:38:15
